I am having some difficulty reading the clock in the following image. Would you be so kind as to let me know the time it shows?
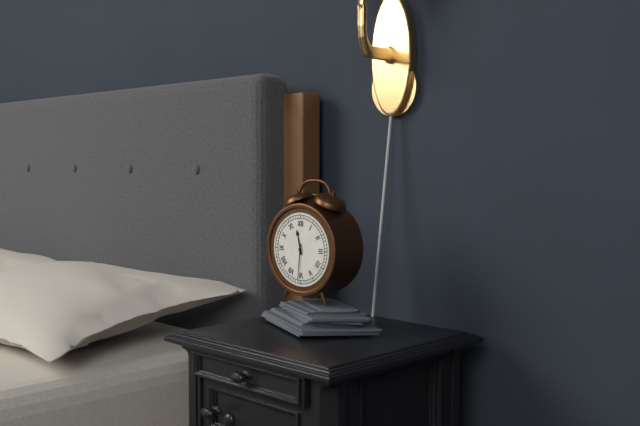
11:31
